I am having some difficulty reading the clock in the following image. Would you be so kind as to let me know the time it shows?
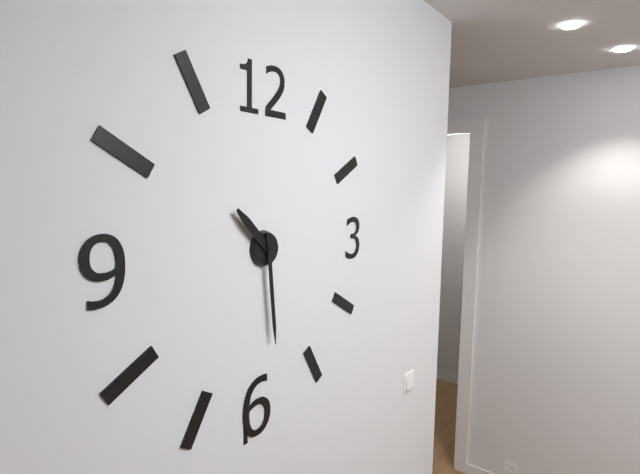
10:29
